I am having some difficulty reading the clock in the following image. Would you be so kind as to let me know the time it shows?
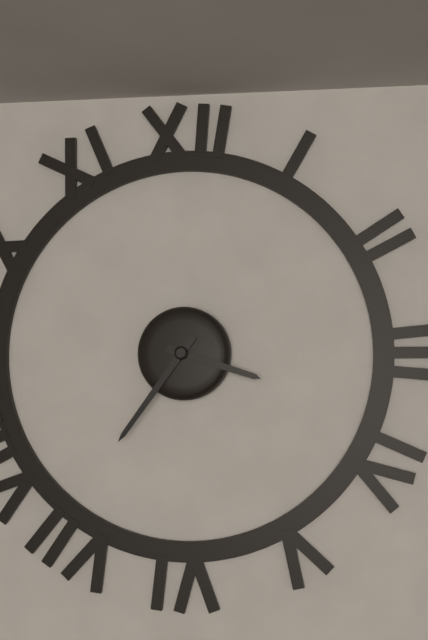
3:36
